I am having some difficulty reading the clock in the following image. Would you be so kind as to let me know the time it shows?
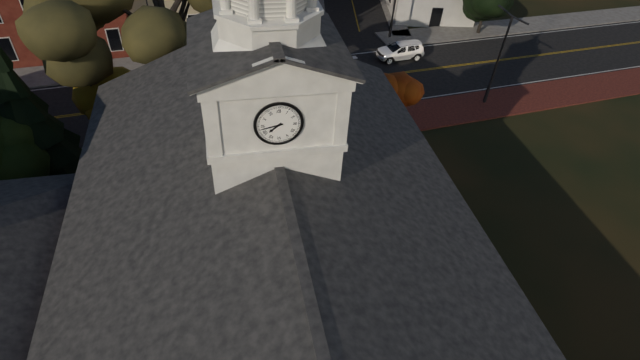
7:43
